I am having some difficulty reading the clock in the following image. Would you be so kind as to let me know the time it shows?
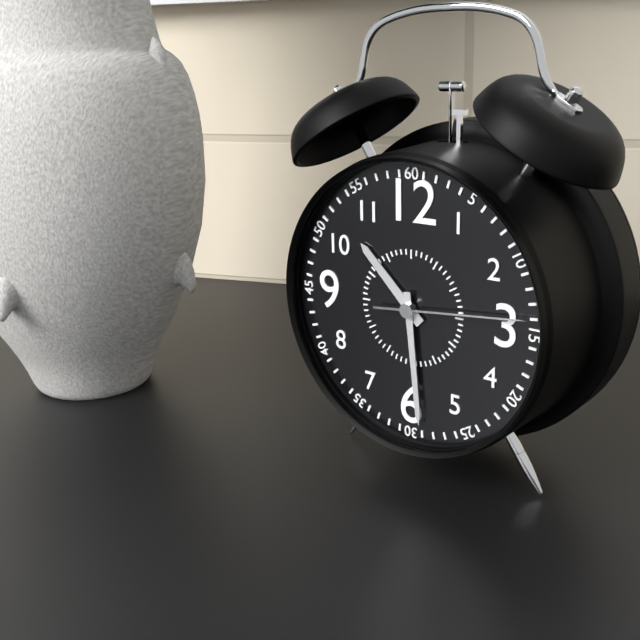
10:29:14
